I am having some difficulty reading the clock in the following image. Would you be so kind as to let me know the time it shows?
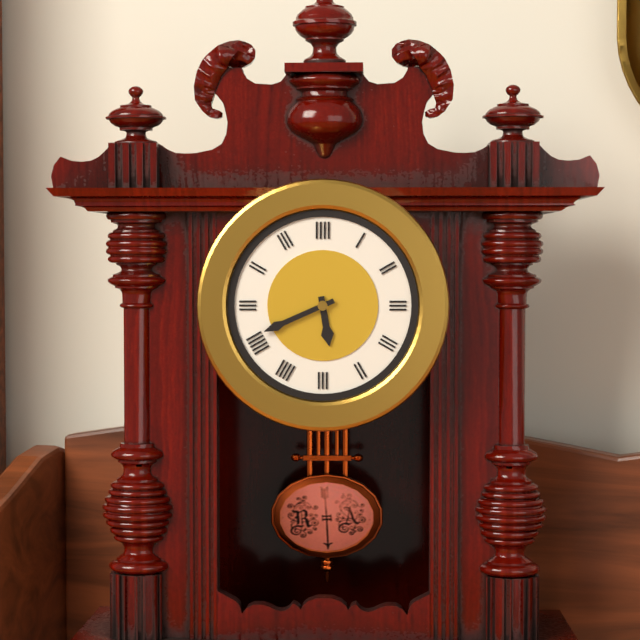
5:41
